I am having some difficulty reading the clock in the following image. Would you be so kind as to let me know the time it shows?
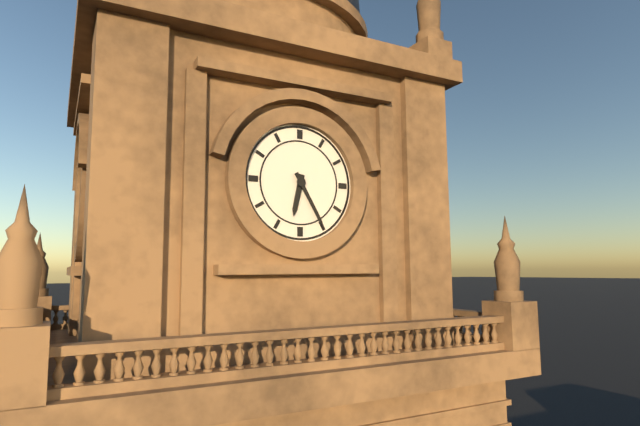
6:25
